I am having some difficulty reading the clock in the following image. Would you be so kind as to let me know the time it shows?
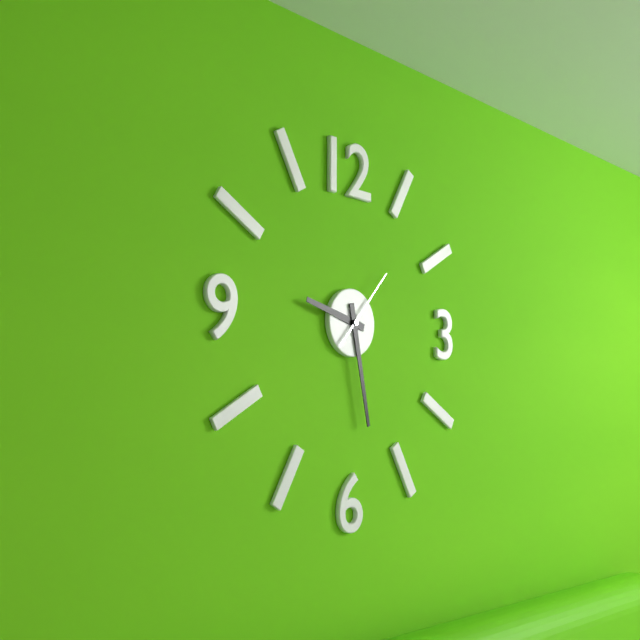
9:28:07
